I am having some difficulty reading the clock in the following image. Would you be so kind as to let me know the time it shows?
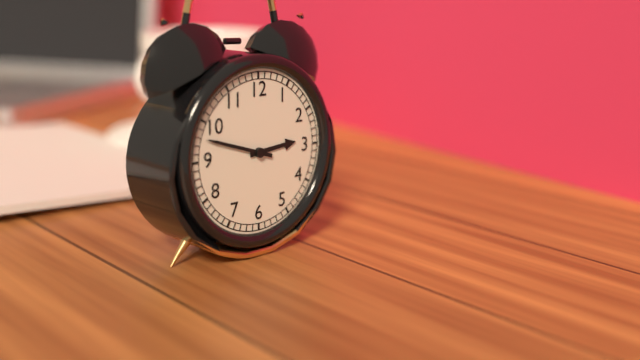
2:48
